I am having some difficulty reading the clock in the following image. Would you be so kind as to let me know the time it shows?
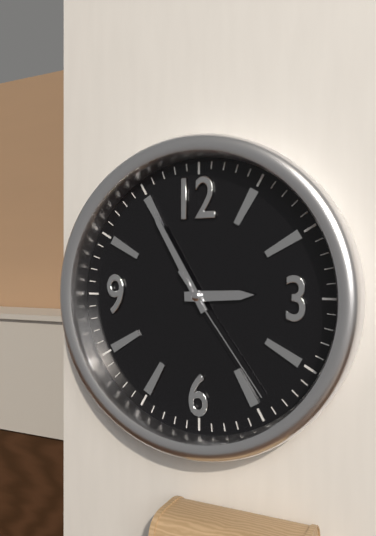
2:55:24
